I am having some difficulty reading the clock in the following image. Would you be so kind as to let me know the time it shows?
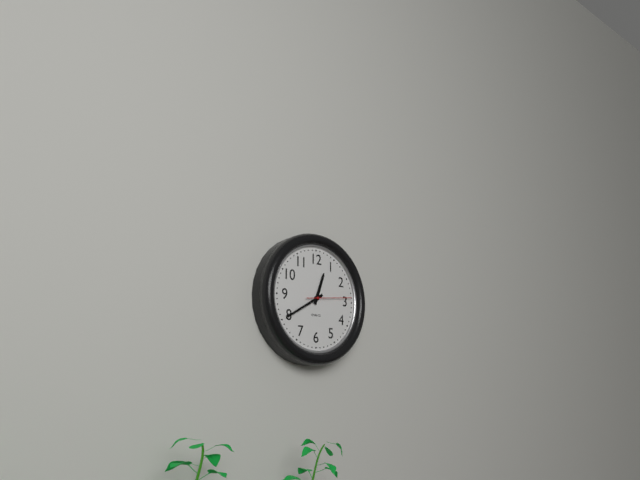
12:40
